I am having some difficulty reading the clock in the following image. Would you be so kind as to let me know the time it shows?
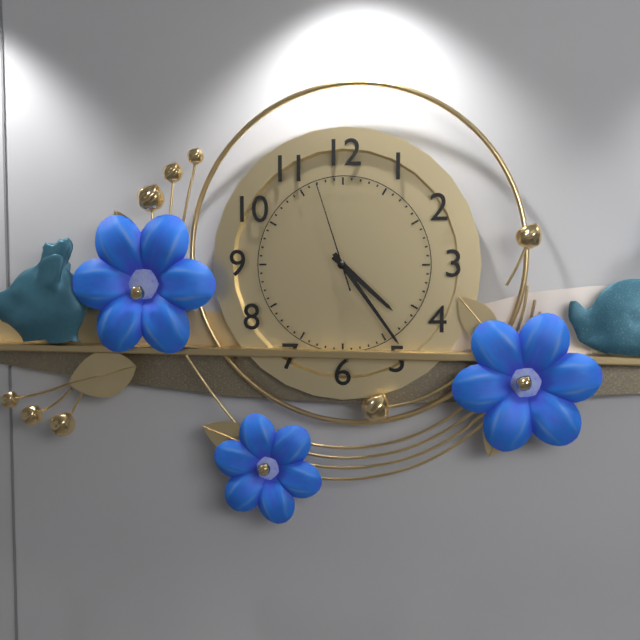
4:24:57
